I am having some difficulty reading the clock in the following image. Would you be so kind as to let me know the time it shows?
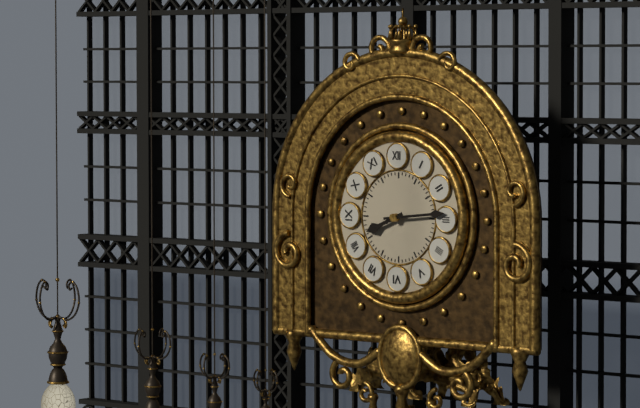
8:14
